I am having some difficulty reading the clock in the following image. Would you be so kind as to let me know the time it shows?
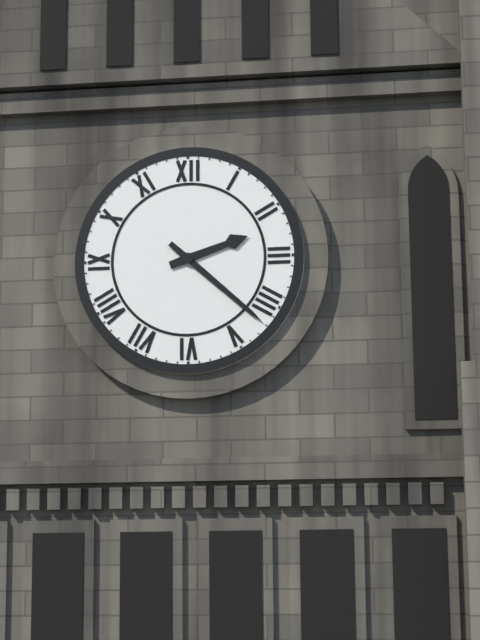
2:22
